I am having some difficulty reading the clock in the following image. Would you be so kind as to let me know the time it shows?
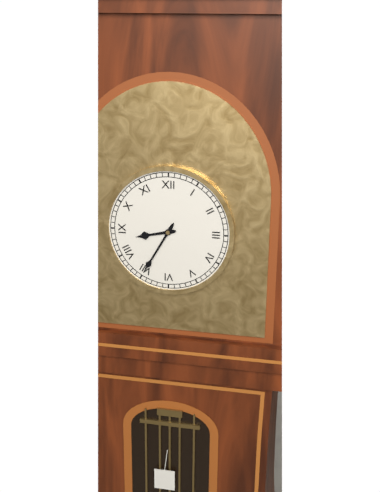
8:35
